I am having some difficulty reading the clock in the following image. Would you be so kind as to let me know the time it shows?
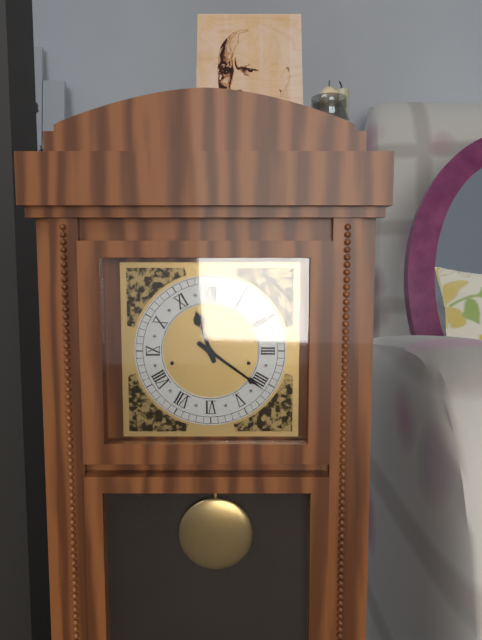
11:21
